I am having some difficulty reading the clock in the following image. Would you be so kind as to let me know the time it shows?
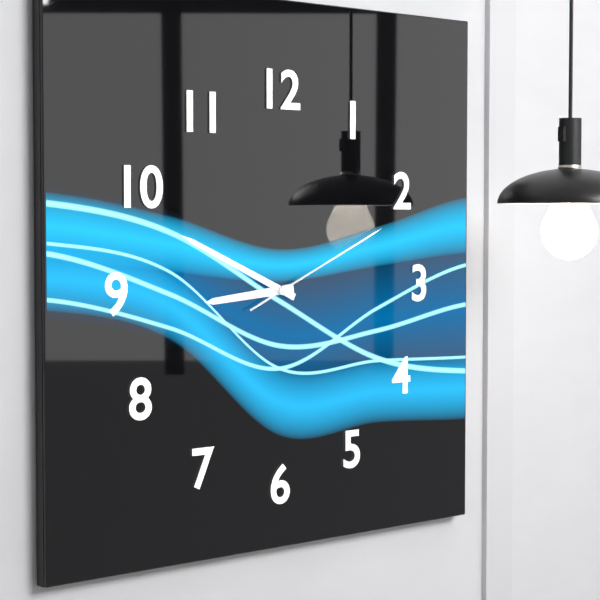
8:49:11
